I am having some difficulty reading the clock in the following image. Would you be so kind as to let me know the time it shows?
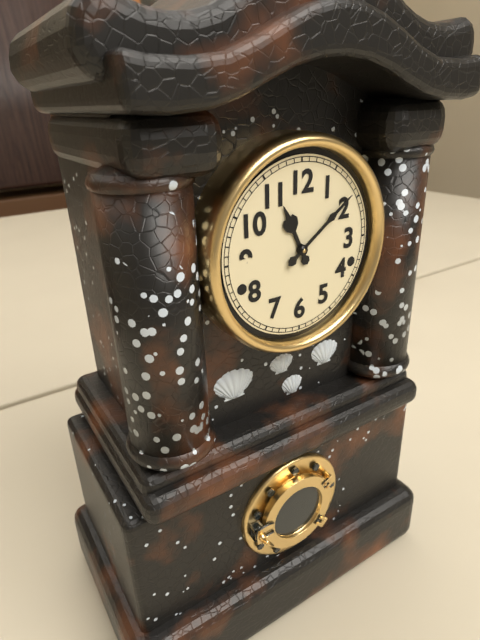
11:09
